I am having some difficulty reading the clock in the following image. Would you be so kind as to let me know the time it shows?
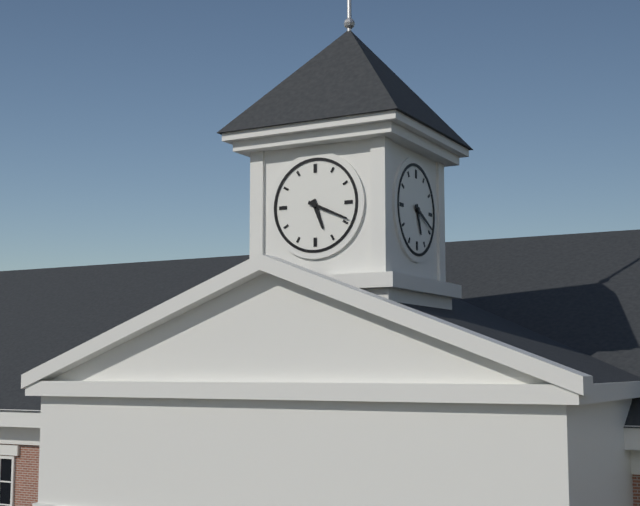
5:19
